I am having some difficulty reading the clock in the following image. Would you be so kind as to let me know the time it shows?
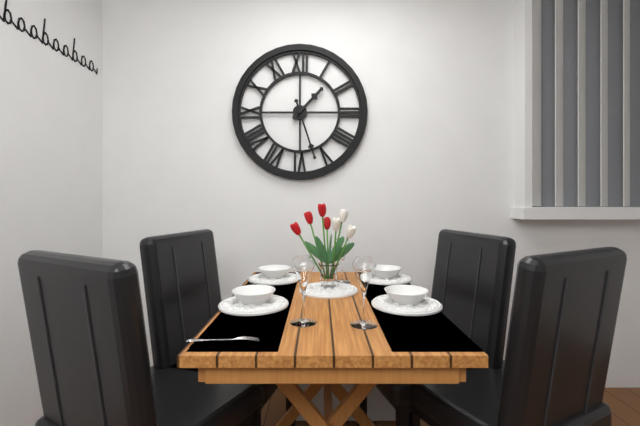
1:27
